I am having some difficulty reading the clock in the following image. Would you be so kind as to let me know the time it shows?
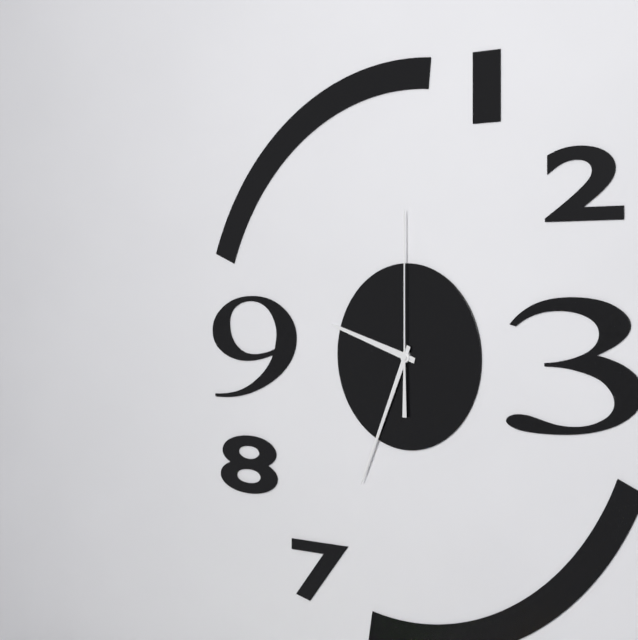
9:34:00
